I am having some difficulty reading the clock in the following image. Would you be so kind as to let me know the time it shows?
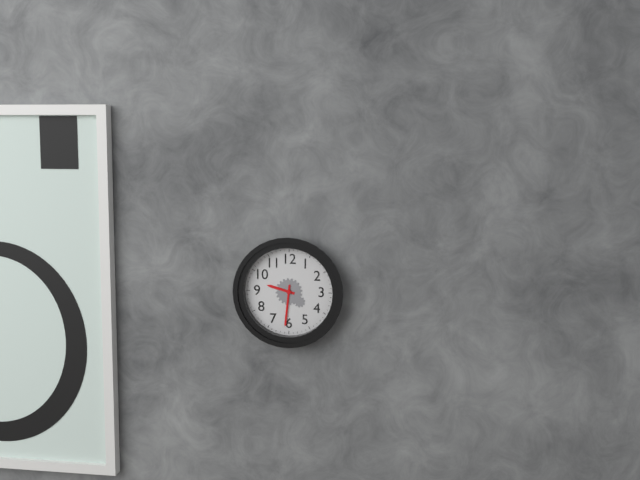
9:31
